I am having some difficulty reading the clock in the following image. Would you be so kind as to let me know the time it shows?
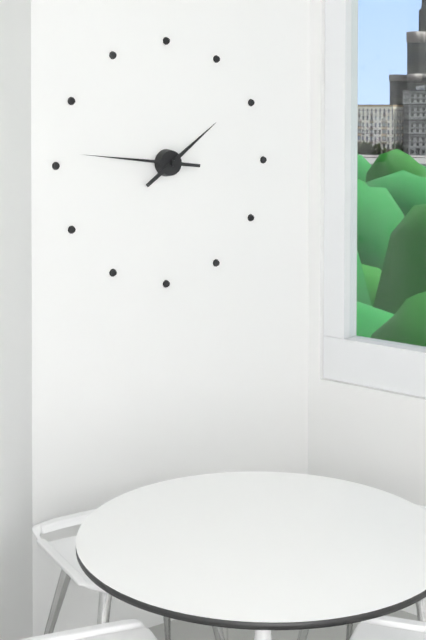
1:46
